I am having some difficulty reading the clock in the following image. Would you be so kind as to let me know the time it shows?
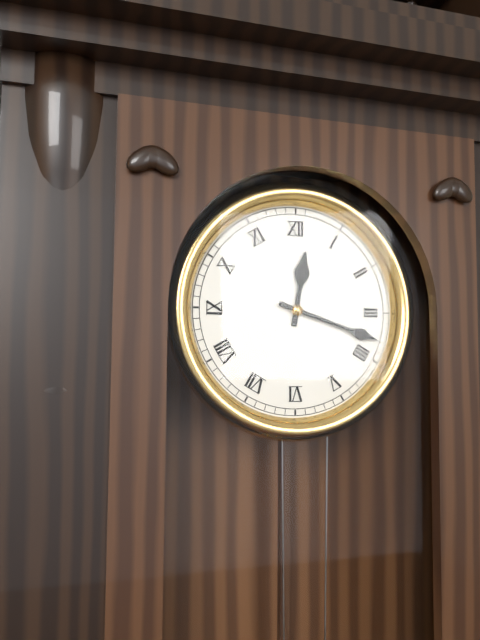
12:18
